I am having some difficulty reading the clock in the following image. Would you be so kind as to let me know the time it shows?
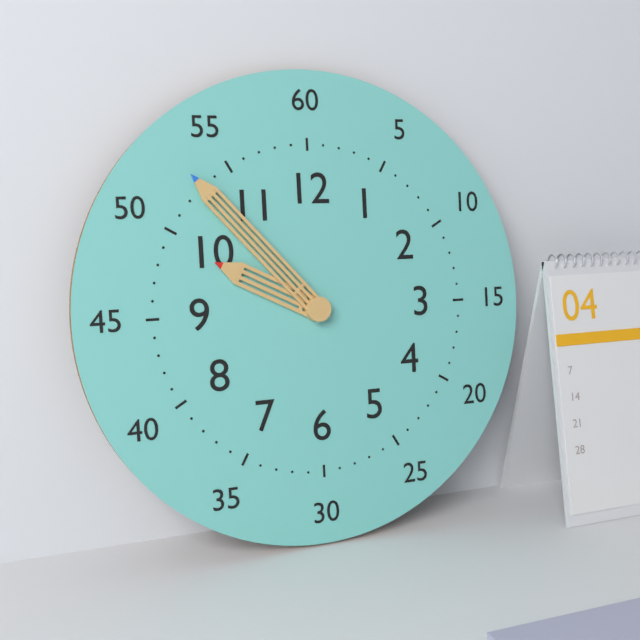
9:53
